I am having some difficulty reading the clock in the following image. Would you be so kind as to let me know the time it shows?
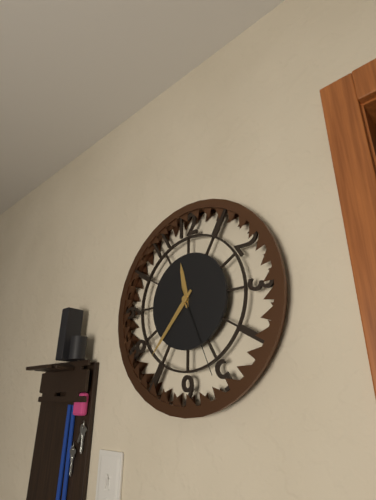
11:37:26
